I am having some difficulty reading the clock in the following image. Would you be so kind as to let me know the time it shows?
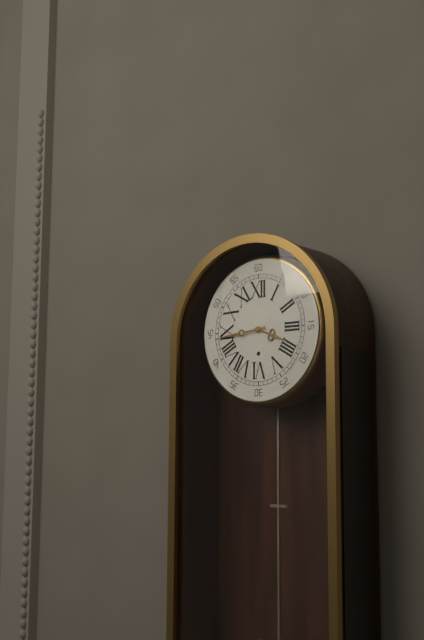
3:44
